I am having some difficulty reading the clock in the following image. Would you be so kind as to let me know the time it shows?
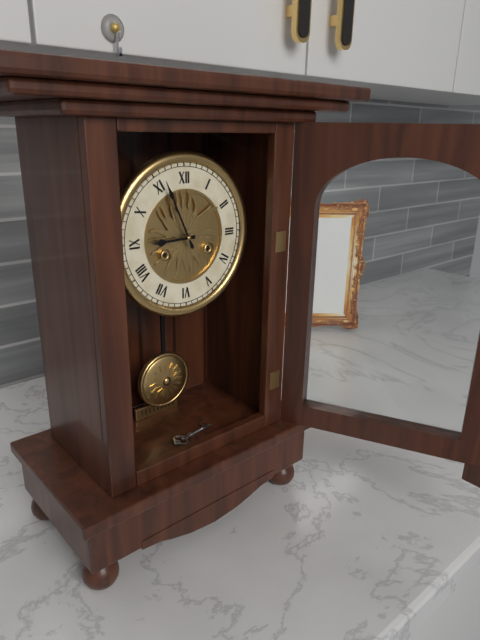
8:56
